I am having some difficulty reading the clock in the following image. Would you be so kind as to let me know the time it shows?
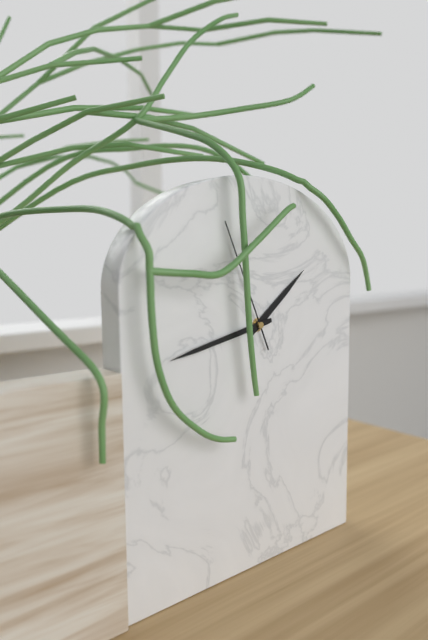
1:43:56
